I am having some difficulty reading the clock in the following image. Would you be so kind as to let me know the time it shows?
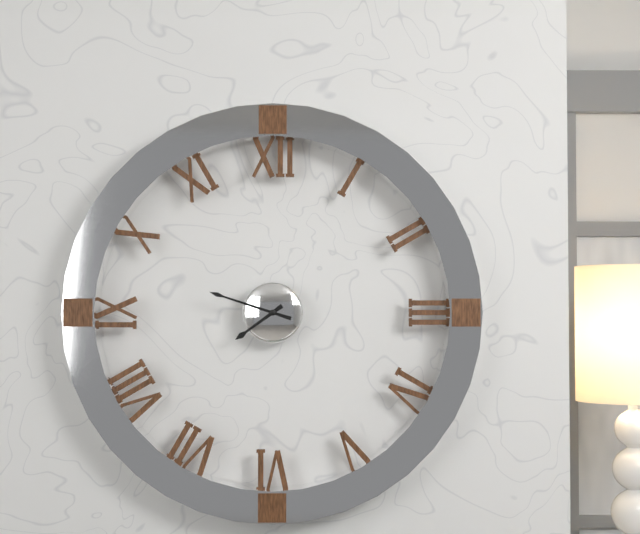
7:48
